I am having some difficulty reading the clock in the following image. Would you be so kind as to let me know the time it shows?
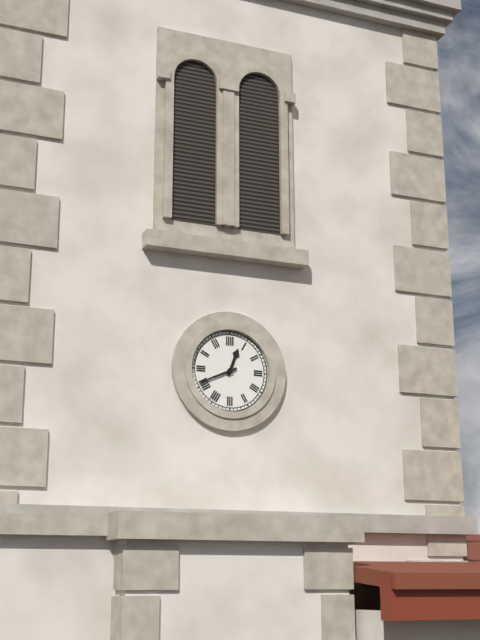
12:41
